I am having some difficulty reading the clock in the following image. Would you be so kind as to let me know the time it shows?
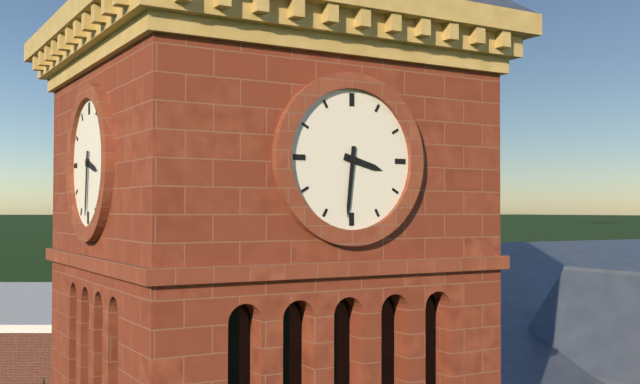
3:31
